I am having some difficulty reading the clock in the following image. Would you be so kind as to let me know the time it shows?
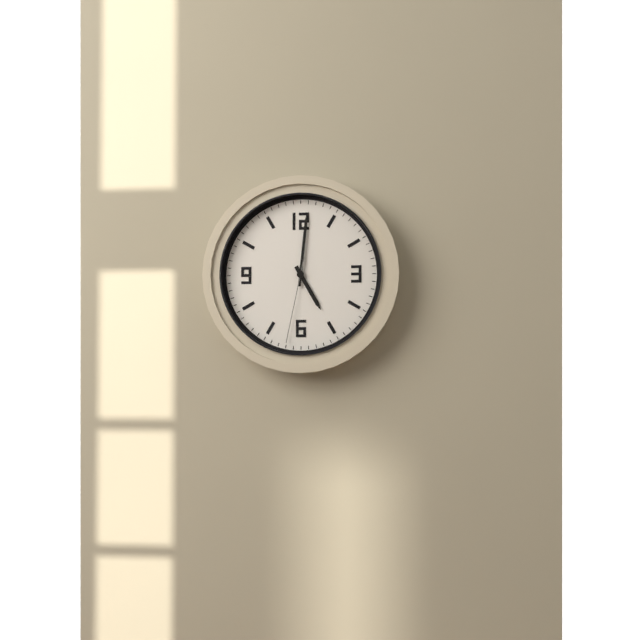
5:01:32
